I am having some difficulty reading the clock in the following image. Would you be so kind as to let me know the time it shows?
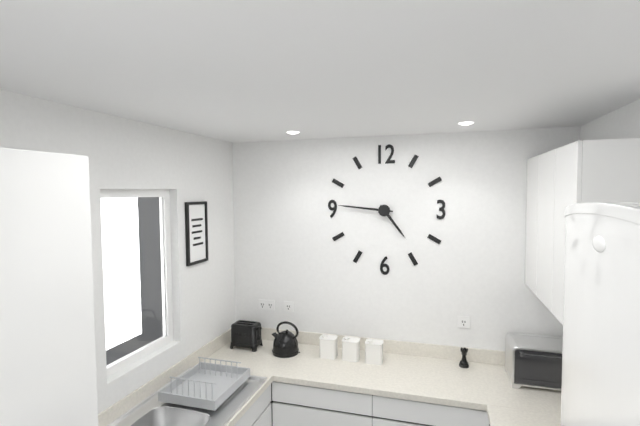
4:46
